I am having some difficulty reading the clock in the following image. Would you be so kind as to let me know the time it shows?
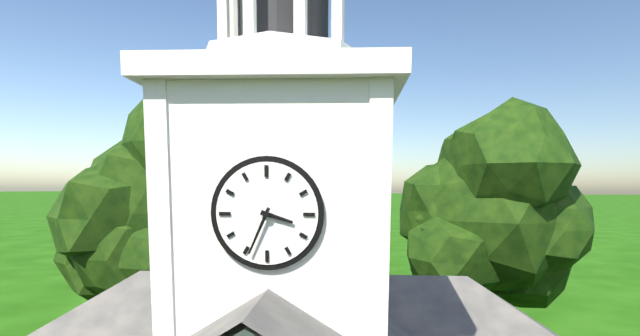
3:34
